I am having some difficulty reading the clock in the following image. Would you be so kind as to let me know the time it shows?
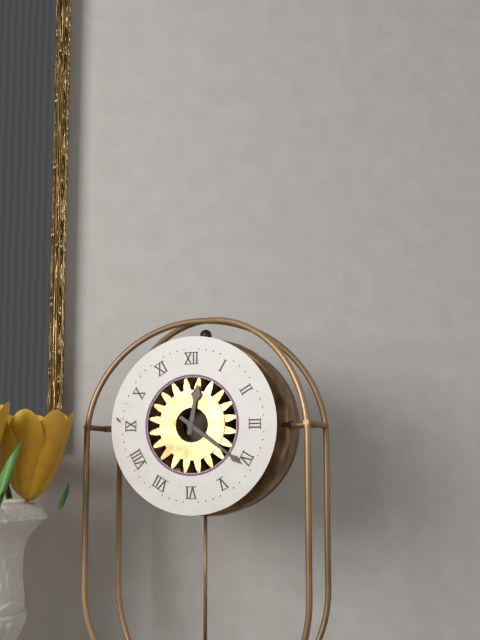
12:21
